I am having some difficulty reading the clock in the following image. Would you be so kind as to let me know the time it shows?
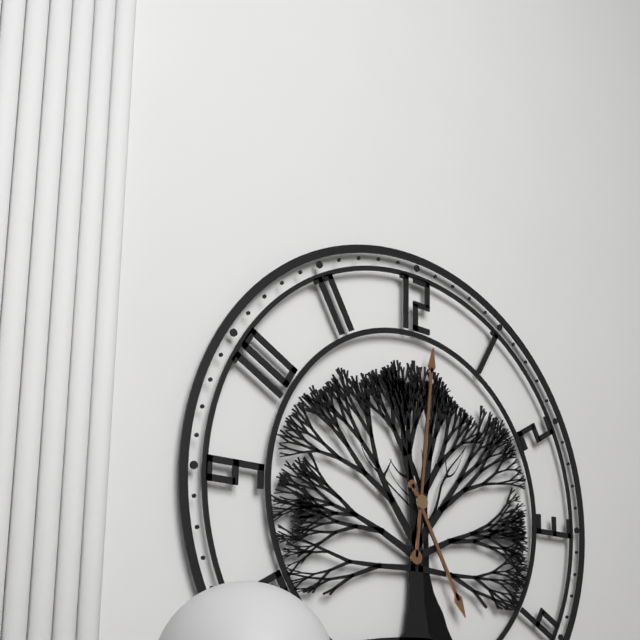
5:01
